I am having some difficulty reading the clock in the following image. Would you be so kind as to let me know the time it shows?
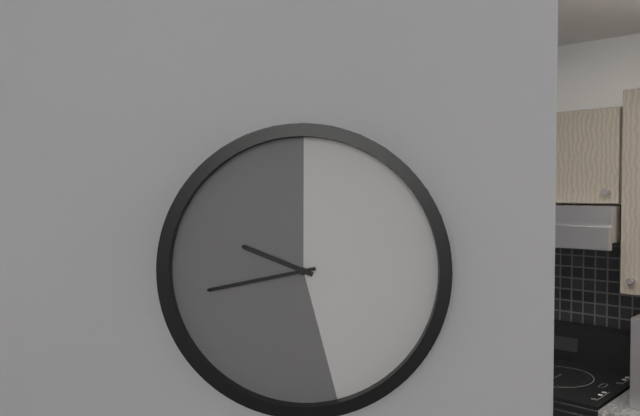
9:43
